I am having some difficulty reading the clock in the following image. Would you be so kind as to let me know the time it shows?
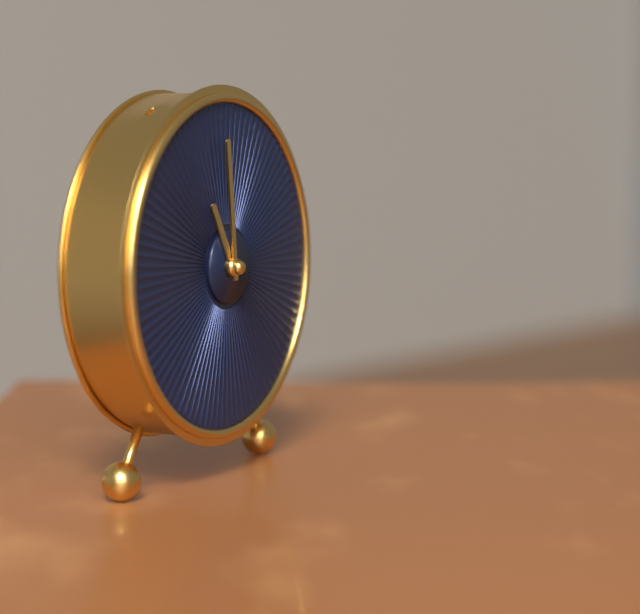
10:59
